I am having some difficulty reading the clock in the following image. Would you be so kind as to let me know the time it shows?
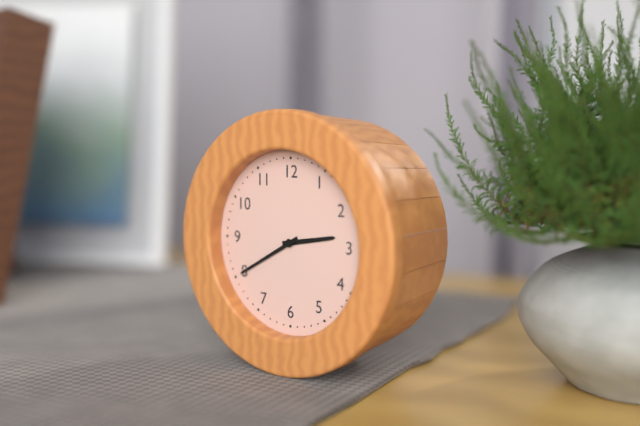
2:40
